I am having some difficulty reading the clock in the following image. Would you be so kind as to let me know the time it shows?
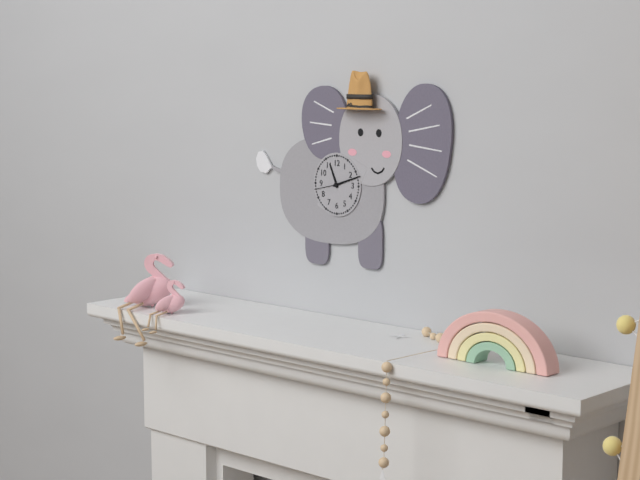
11:12
